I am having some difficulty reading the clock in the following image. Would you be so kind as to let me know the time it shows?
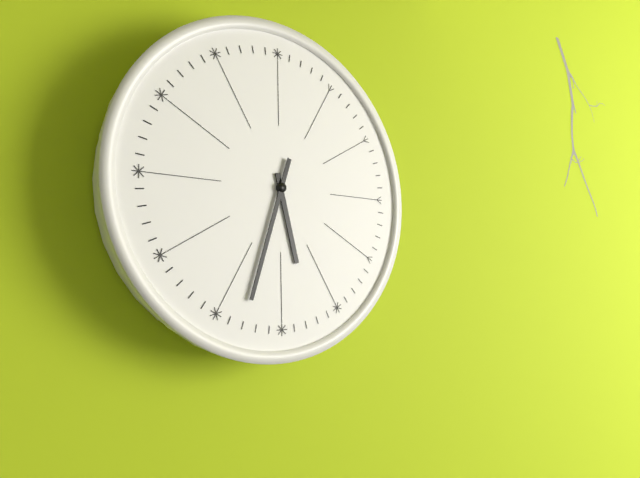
5:33
